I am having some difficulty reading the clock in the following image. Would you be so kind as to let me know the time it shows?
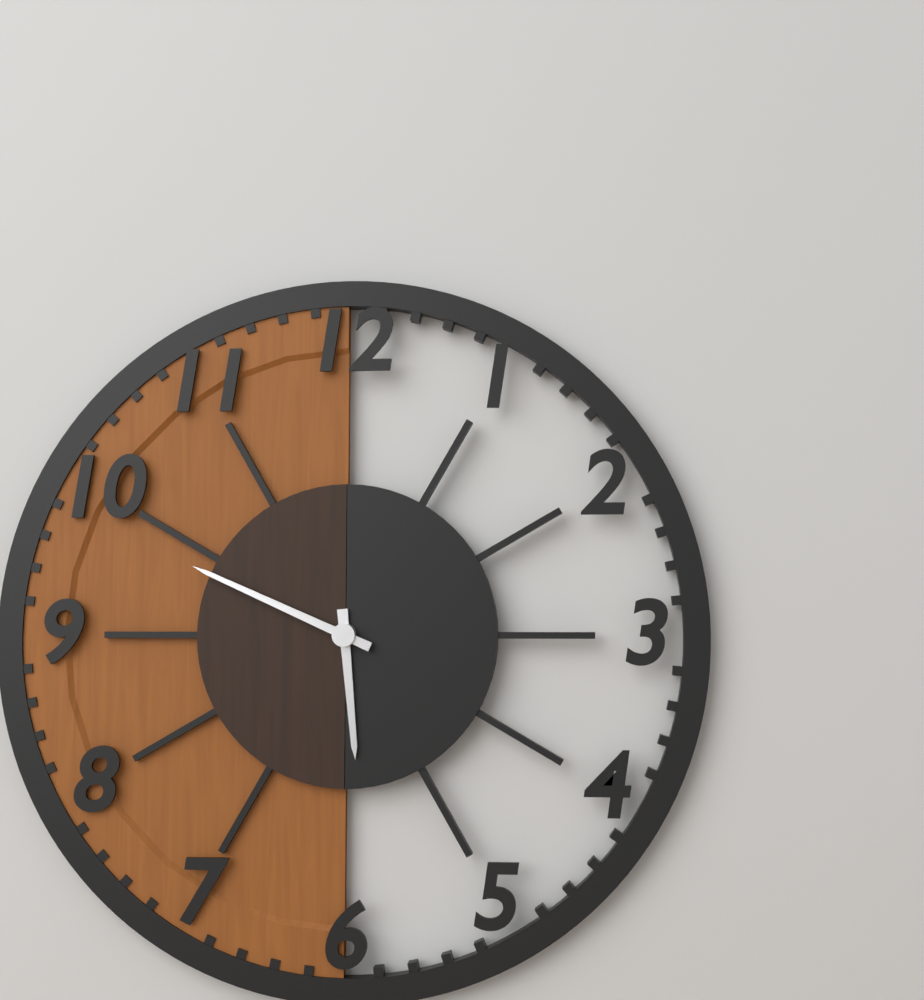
5:49
